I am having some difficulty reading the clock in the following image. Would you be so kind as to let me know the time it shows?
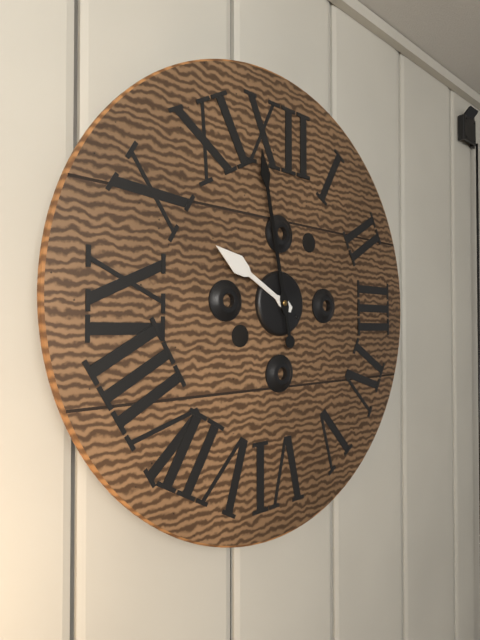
9:58
